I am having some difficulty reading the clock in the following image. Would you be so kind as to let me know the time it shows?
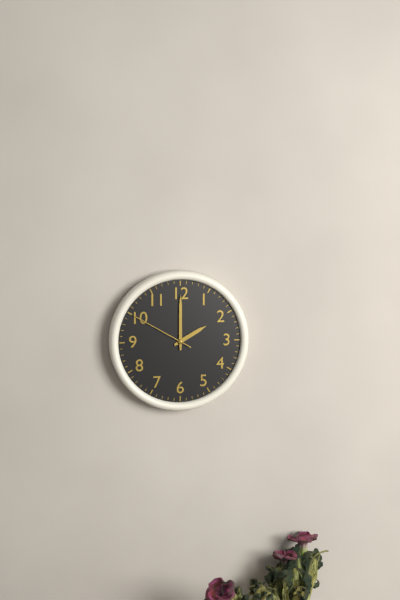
2:00:50
